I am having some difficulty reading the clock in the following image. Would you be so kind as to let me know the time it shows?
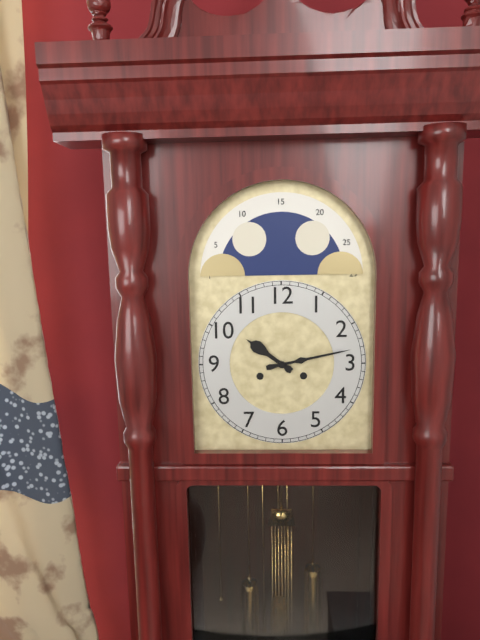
10:13
